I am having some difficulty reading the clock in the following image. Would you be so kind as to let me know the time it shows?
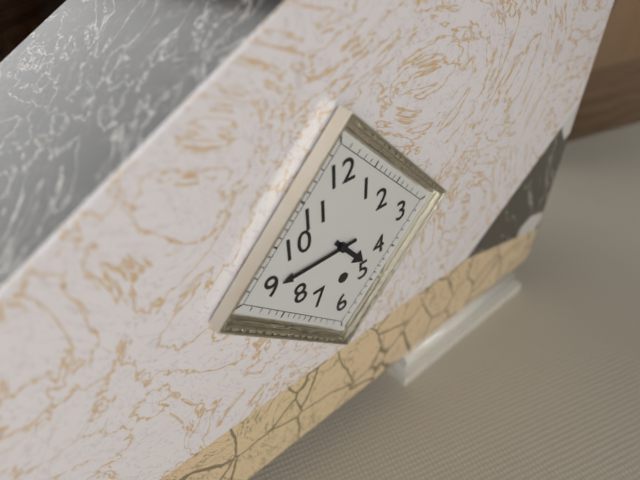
4:45
